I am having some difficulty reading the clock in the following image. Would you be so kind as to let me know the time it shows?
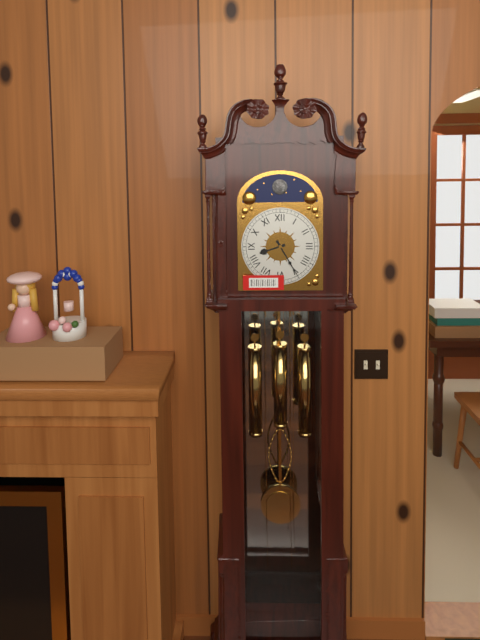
8:25
